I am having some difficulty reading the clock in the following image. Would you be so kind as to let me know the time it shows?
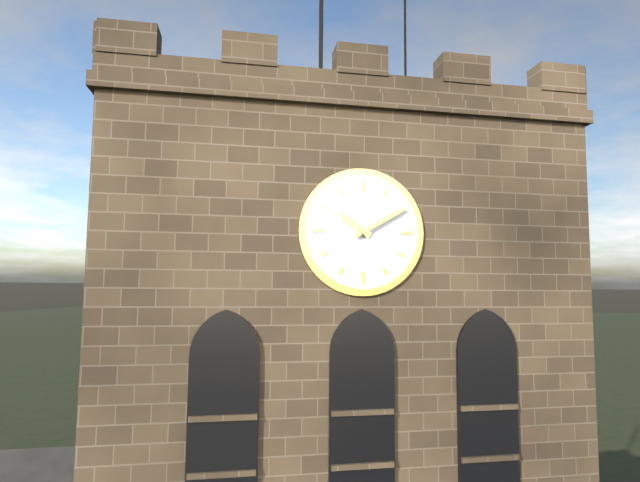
10:10
